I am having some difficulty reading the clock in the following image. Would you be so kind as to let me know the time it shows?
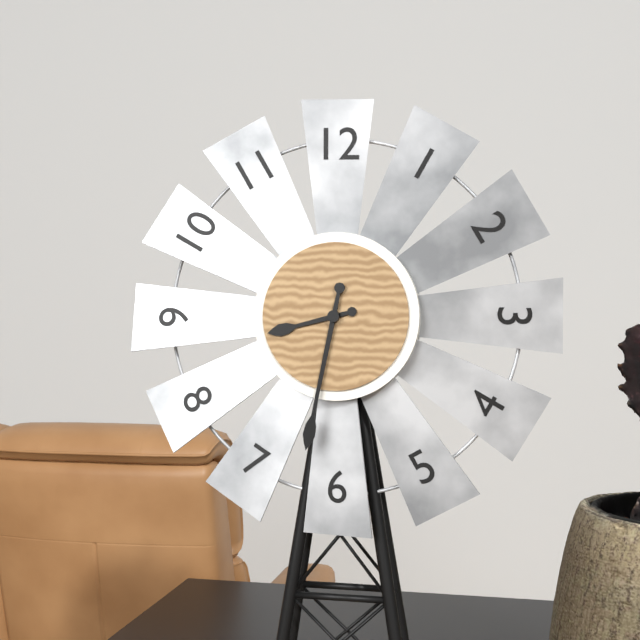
8:32
